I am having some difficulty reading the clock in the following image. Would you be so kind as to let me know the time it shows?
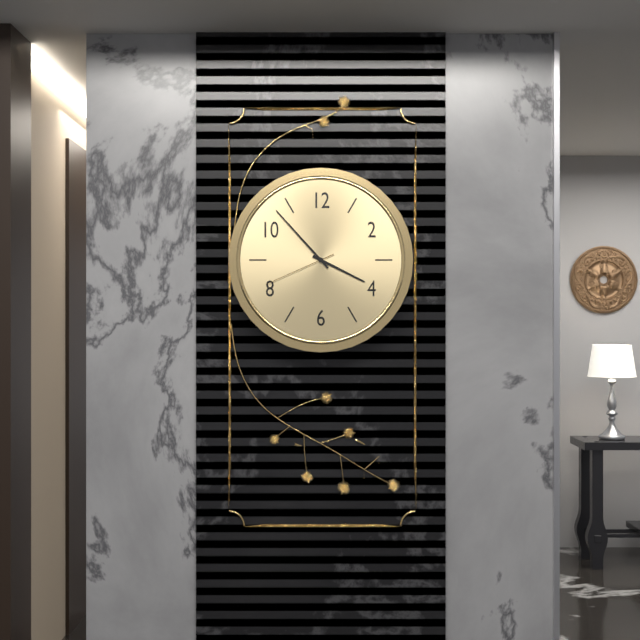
3:53:41
